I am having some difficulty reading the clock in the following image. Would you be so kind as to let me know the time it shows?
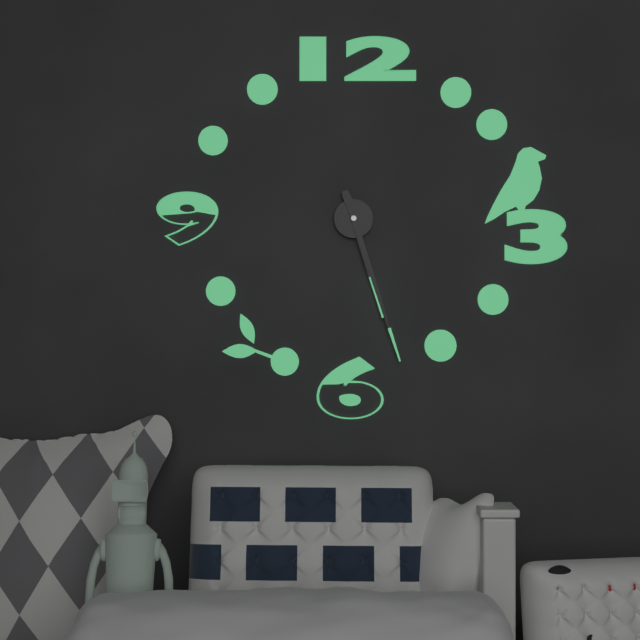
5:27
